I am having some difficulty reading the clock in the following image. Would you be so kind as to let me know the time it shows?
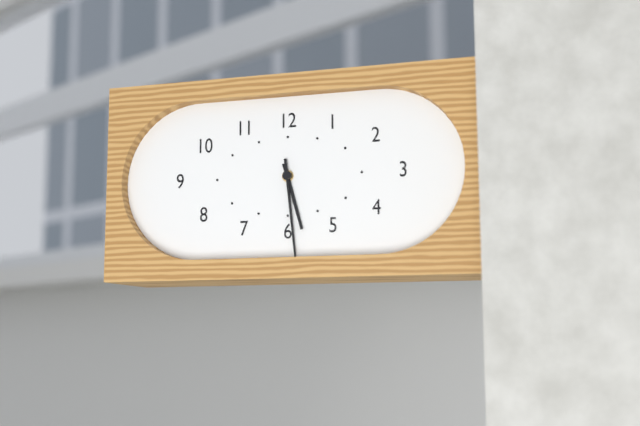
5:29
